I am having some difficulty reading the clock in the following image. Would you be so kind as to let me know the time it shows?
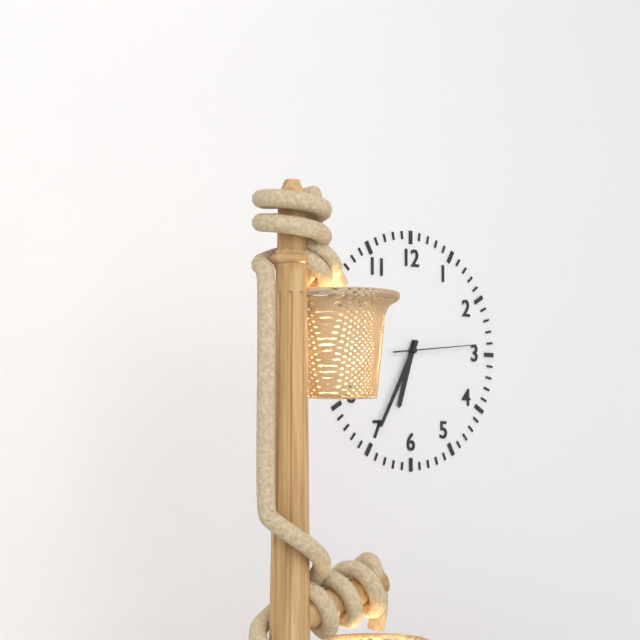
6:35:14
